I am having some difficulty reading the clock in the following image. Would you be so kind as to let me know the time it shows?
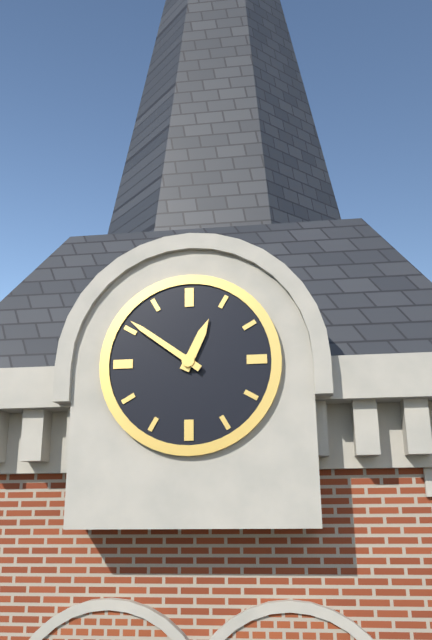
12:51
